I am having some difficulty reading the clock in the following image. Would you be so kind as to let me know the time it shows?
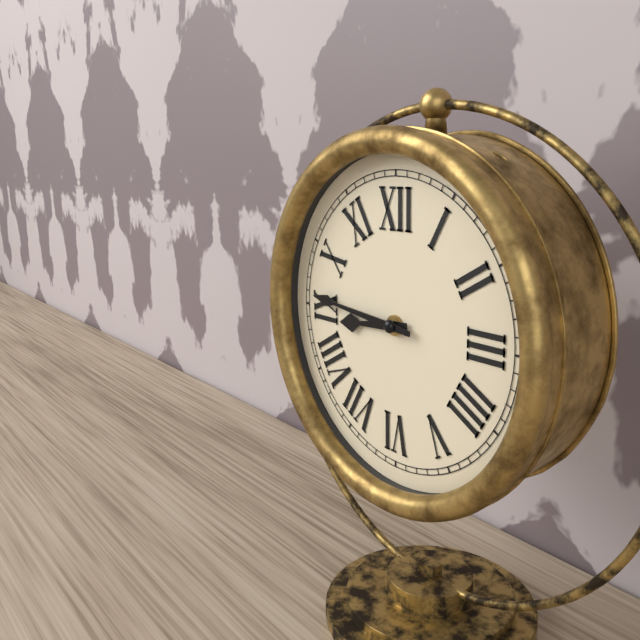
8:46
